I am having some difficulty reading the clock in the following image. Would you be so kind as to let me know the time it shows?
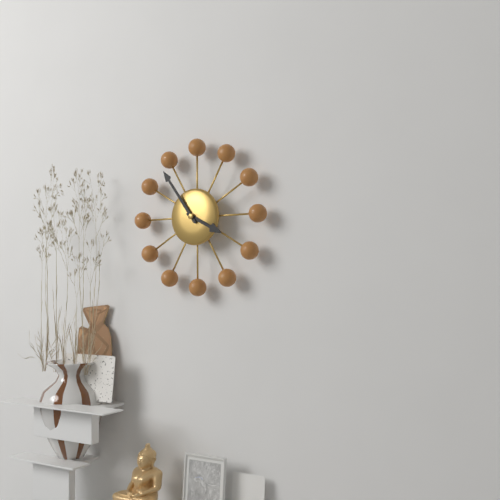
3:54
